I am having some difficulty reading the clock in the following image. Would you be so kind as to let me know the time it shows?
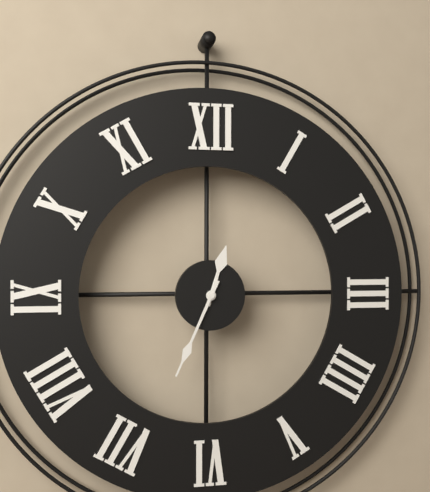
12:34
